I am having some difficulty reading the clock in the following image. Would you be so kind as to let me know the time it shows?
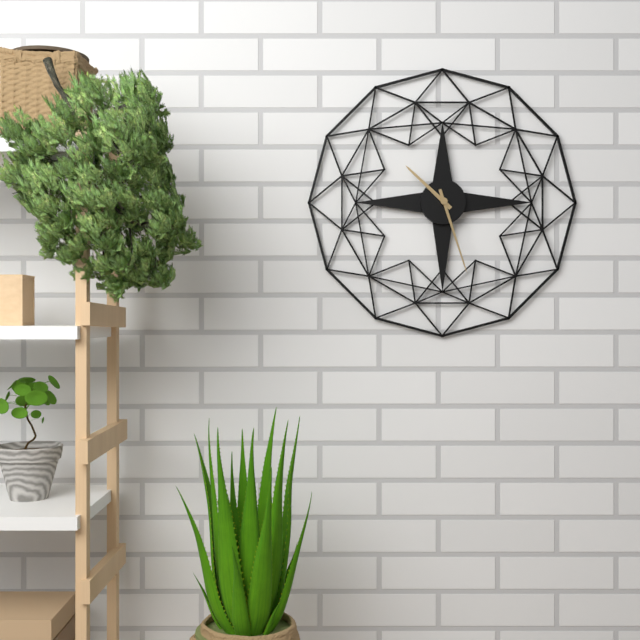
10:27
